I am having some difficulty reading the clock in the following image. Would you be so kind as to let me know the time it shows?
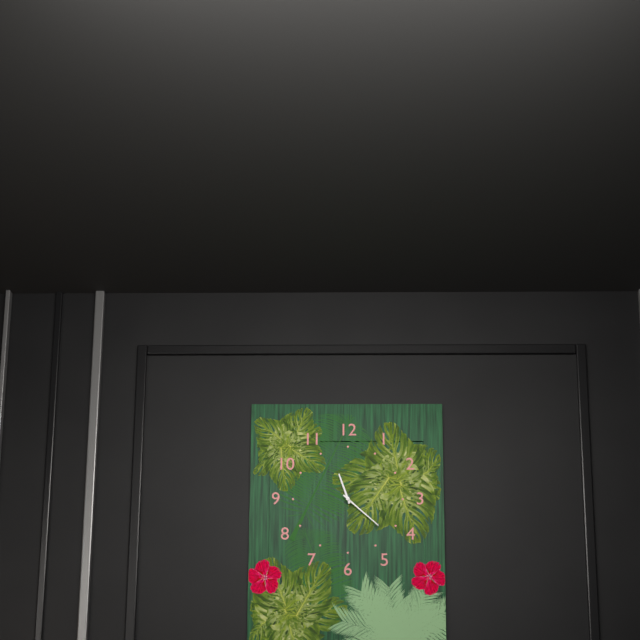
11:22
